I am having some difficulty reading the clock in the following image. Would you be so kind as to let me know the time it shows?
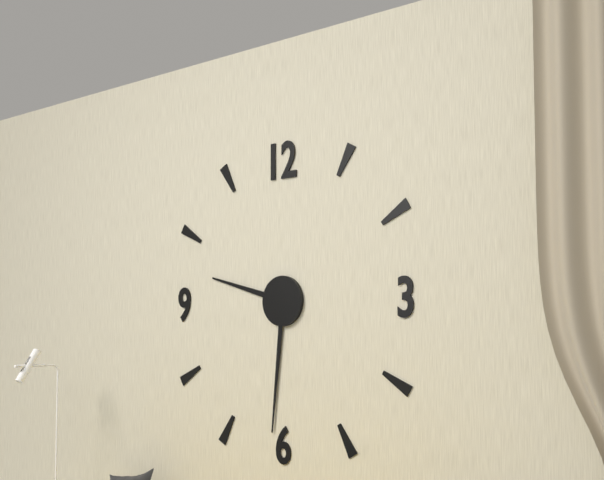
9:31
